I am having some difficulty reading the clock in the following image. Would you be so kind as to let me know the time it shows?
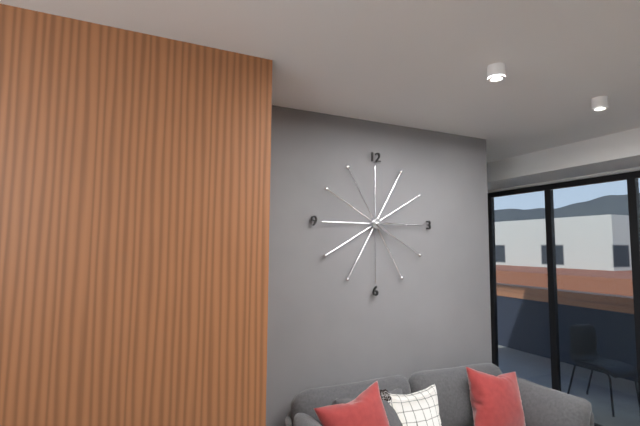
4:15
